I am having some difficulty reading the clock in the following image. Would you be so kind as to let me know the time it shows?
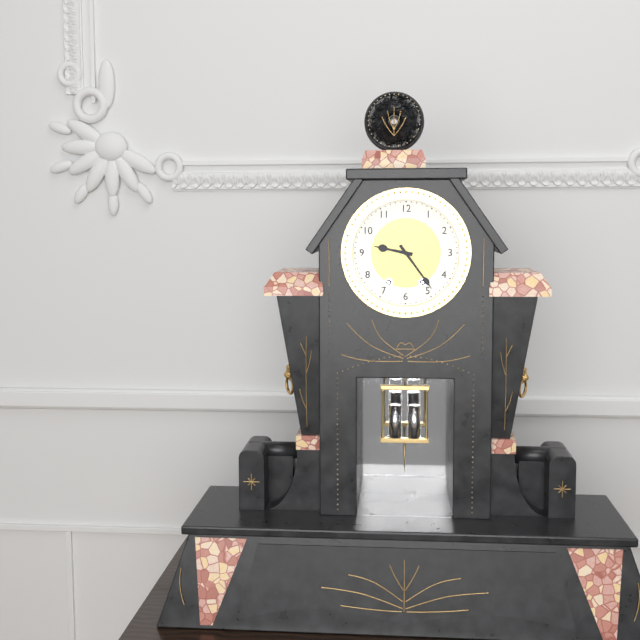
9:24
